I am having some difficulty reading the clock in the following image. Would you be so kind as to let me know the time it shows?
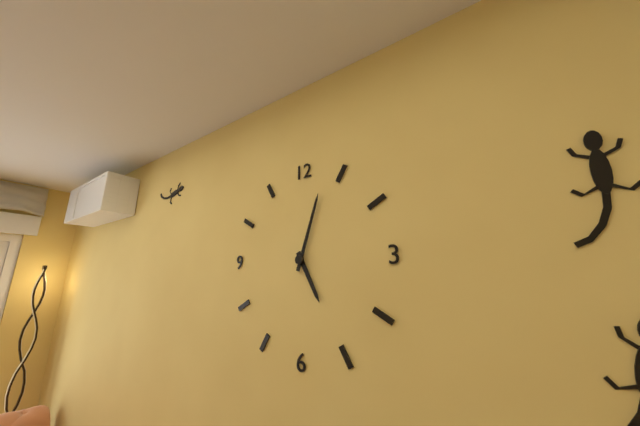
5:03
